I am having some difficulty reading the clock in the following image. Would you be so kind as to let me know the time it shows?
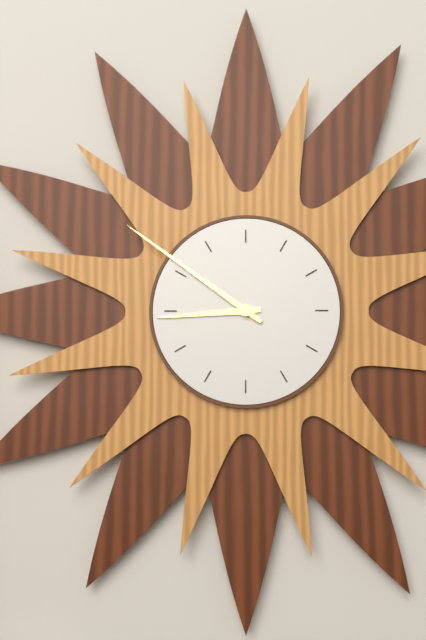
8:51
